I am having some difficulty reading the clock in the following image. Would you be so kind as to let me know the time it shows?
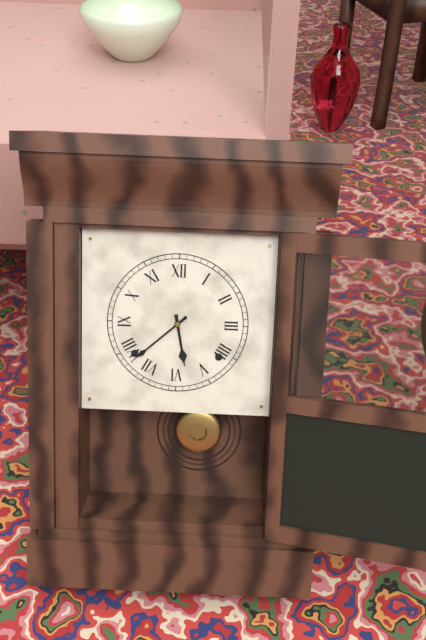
5:38
